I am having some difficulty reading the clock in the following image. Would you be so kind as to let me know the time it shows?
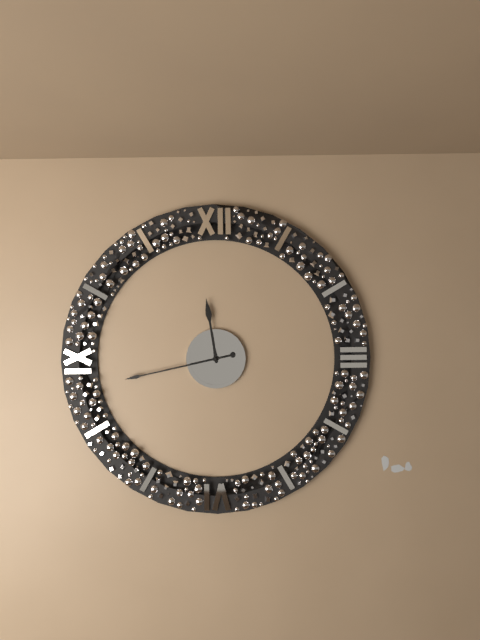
11:43
